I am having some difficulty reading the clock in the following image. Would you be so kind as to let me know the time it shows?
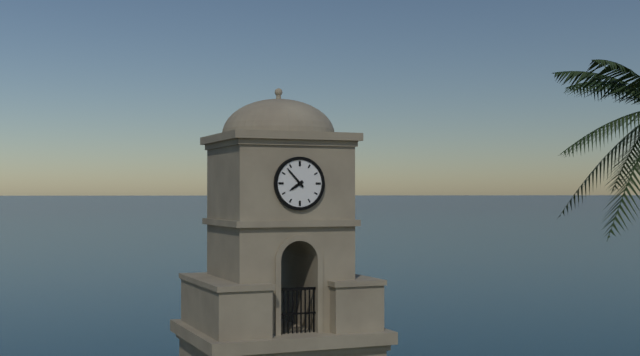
7:53
